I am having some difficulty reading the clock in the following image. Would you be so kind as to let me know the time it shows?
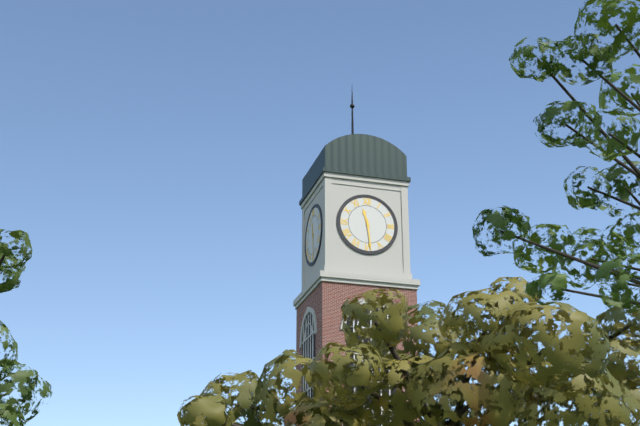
11:29
